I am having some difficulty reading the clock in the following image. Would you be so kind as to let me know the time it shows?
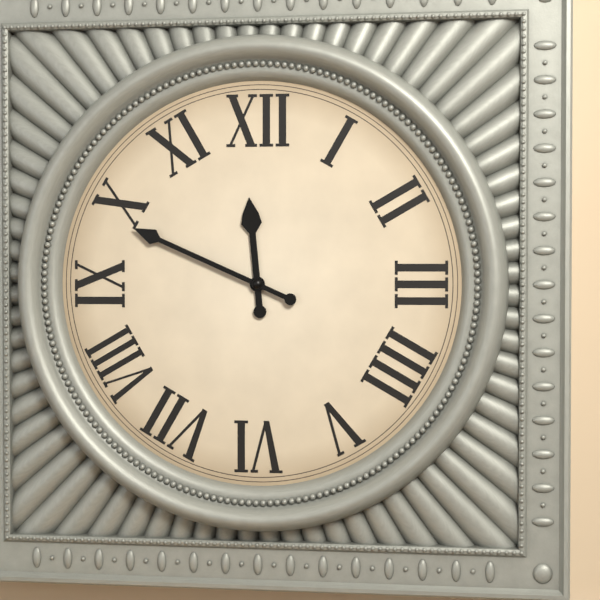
11:49
